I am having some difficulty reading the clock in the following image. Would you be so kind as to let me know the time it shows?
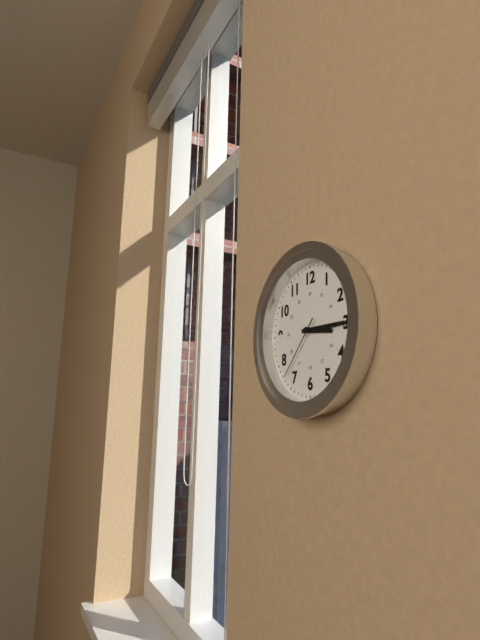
3:15:37
